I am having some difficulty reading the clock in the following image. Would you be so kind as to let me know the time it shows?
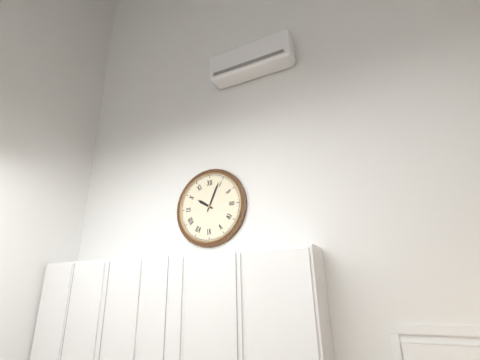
10:04
